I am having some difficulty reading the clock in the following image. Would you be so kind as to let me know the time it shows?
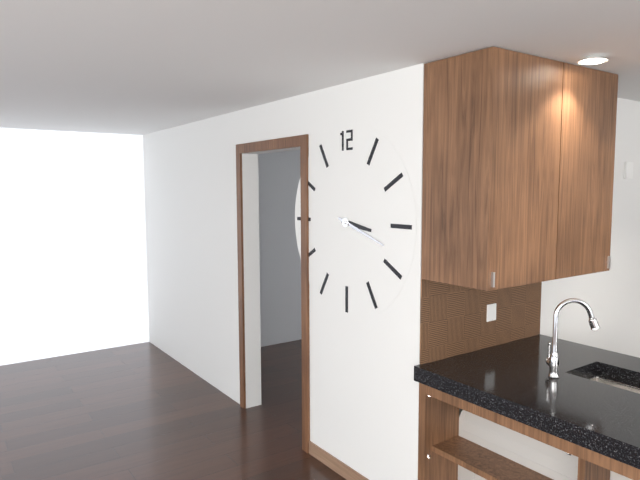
3:18
